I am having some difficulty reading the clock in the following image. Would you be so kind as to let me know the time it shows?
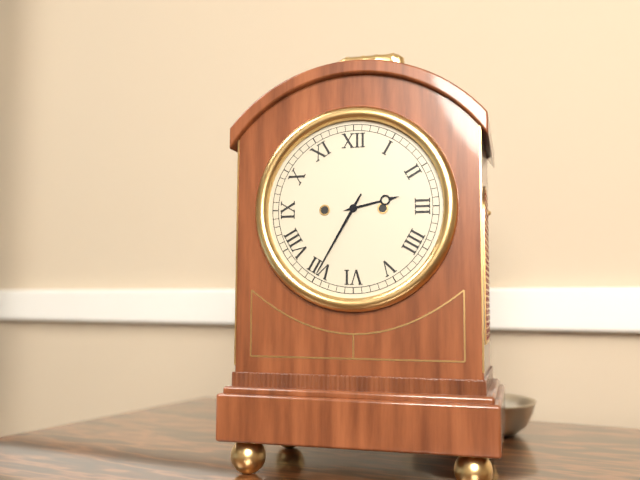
2:35
